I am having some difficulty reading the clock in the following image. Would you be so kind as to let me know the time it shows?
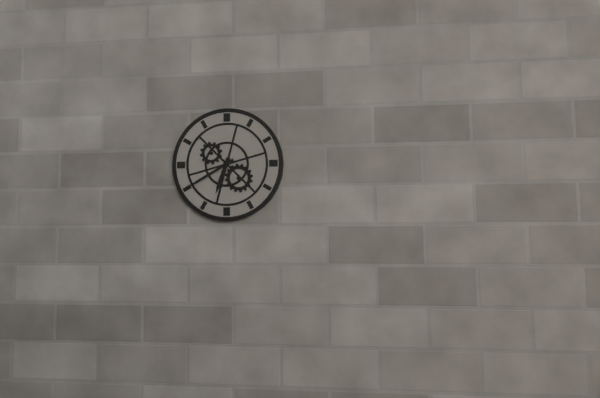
6:40
